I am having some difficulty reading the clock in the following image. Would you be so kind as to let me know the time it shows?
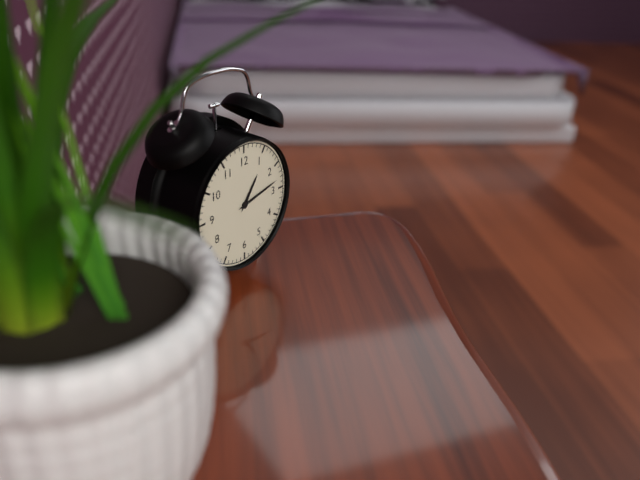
1:13
